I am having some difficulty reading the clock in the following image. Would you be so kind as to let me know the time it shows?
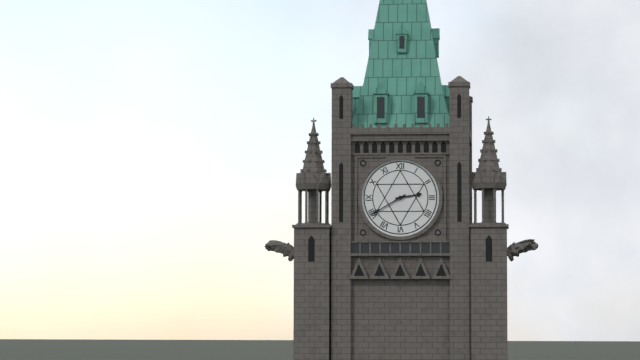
2:40
